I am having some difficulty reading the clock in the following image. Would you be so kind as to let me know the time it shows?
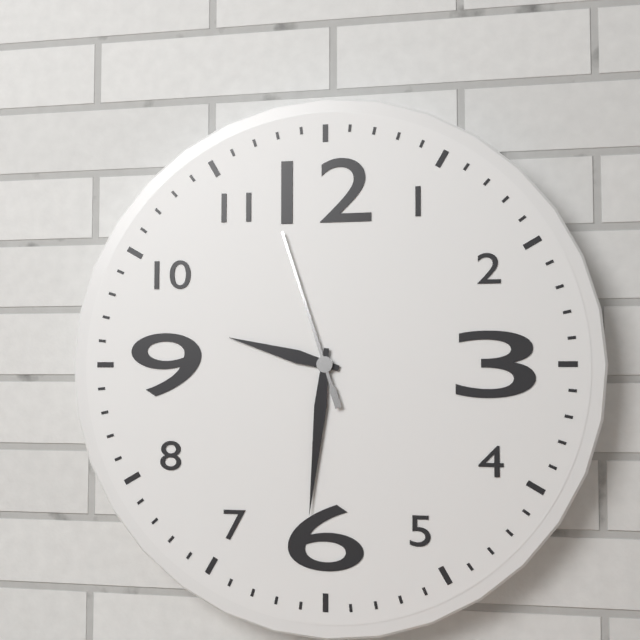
9:31:57
